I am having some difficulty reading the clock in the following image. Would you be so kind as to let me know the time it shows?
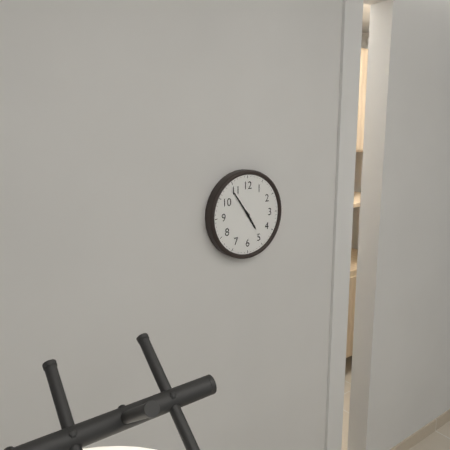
4:54
